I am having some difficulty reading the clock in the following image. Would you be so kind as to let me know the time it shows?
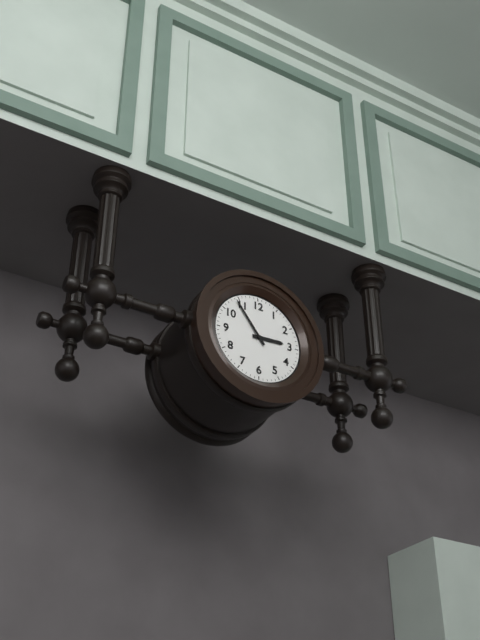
2:54
